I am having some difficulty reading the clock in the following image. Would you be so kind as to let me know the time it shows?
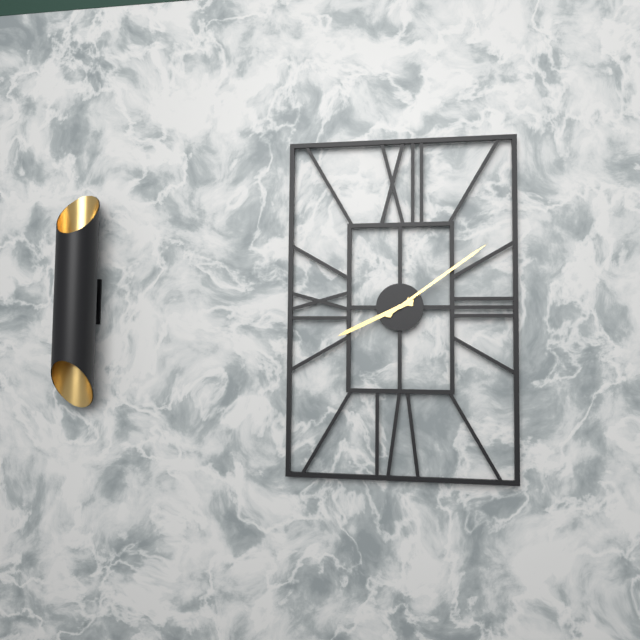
8:09
